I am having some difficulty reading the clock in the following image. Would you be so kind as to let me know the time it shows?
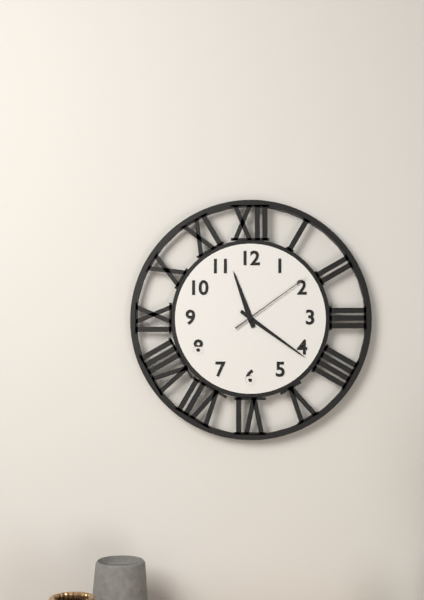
11:21:09
